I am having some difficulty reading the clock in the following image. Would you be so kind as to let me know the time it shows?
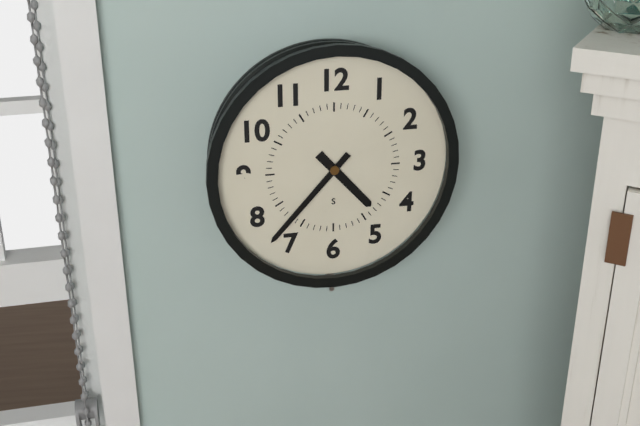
4:37
